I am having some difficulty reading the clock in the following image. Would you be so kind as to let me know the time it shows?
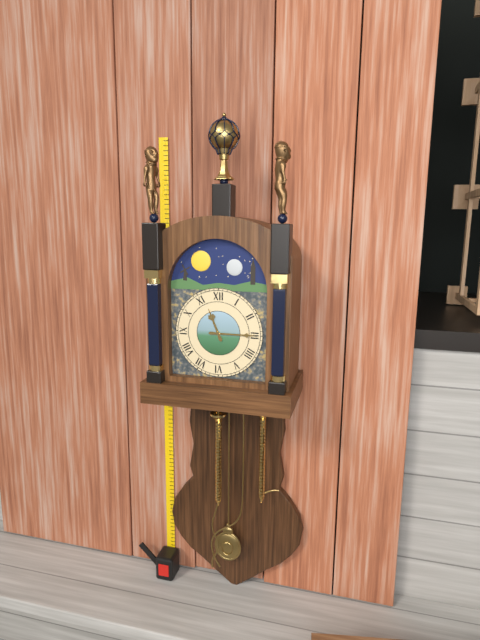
11:15
